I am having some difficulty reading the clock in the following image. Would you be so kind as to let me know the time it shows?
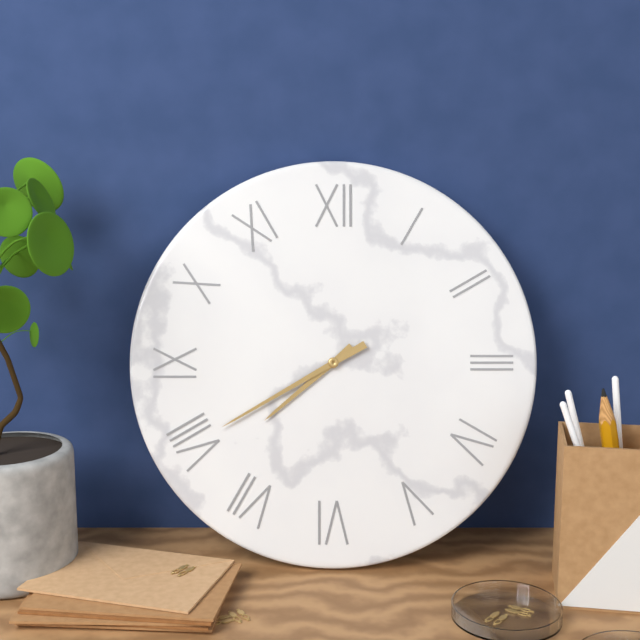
7:40
